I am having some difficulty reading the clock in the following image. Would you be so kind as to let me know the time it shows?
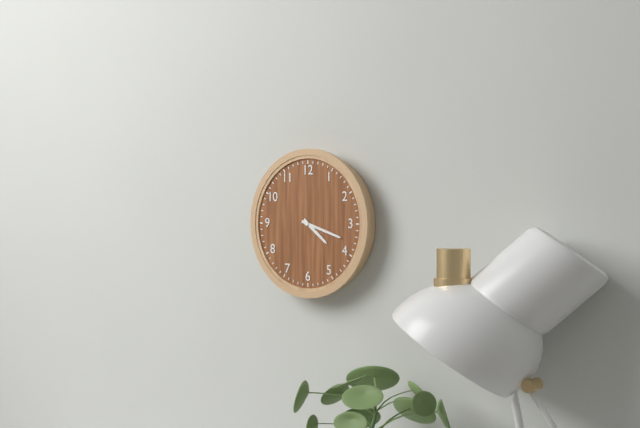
4:18
